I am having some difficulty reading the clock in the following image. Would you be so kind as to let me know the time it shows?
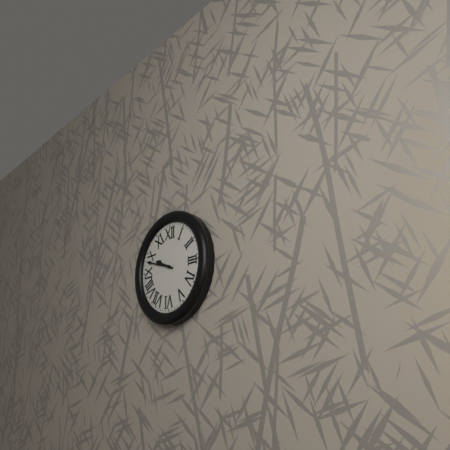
9:48
